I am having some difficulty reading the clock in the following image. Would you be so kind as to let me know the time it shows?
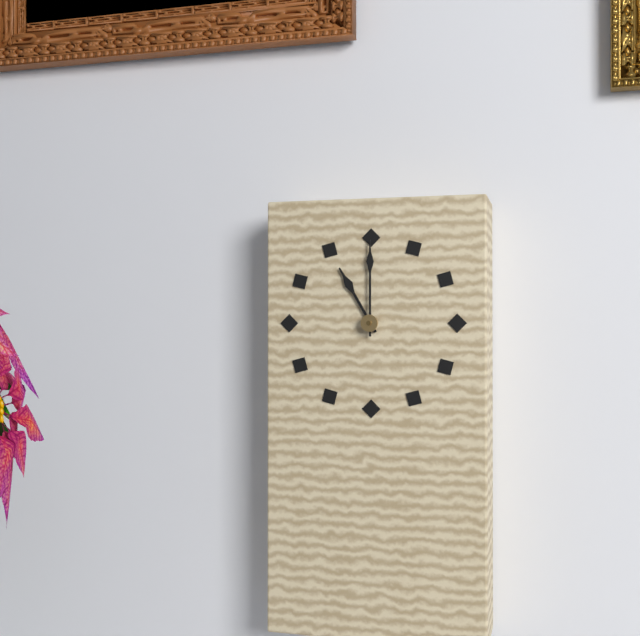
11:00
